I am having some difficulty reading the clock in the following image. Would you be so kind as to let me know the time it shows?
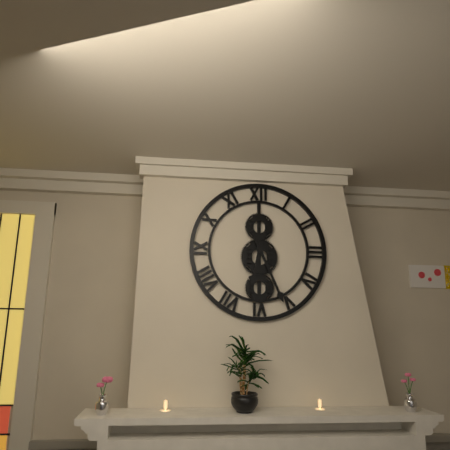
6:26
